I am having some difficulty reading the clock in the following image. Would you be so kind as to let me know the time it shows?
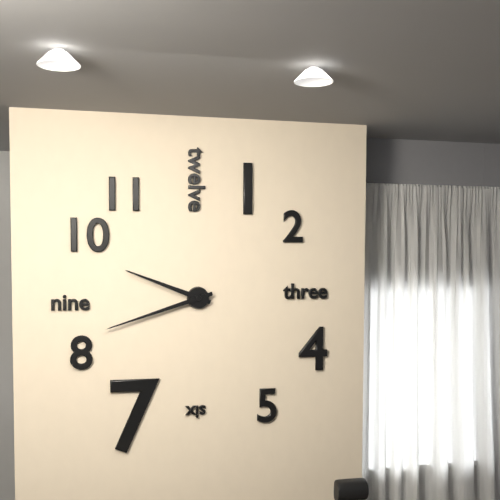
9:42
